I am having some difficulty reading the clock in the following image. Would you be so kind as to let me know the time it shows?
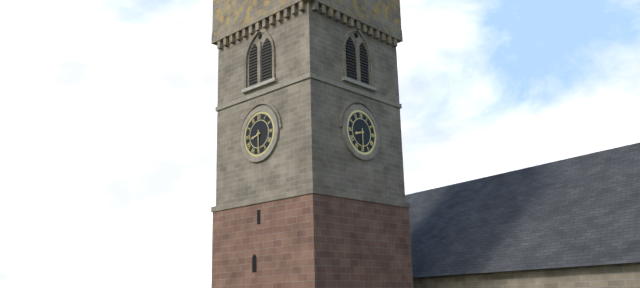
8:30
